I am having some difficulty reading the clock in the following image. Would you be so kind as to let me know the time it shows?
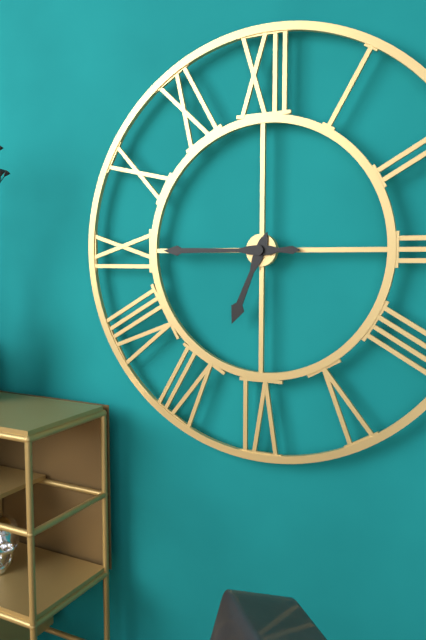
6:45
